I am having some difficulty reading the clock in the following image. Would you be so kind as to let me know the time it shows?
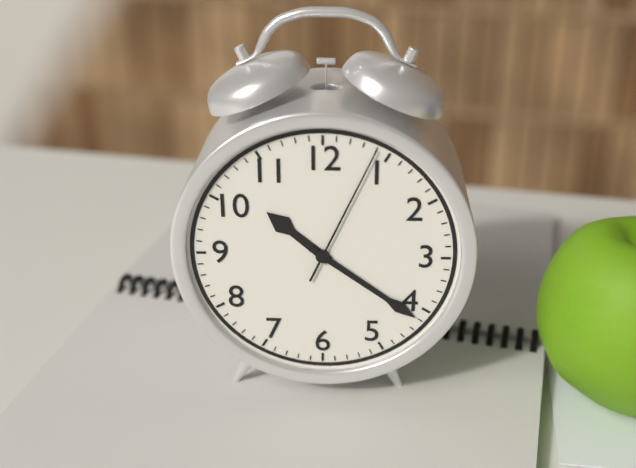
10:21:04
